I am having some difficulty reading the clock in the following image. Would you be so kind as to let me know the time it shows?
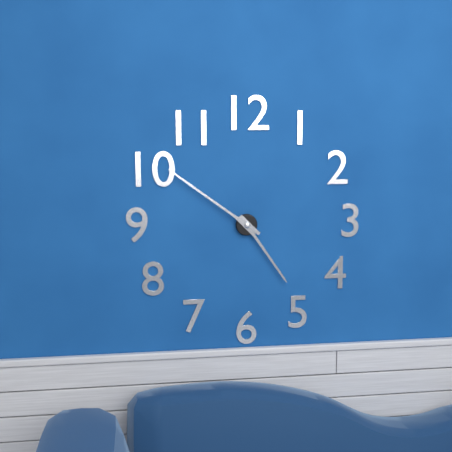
4:51
